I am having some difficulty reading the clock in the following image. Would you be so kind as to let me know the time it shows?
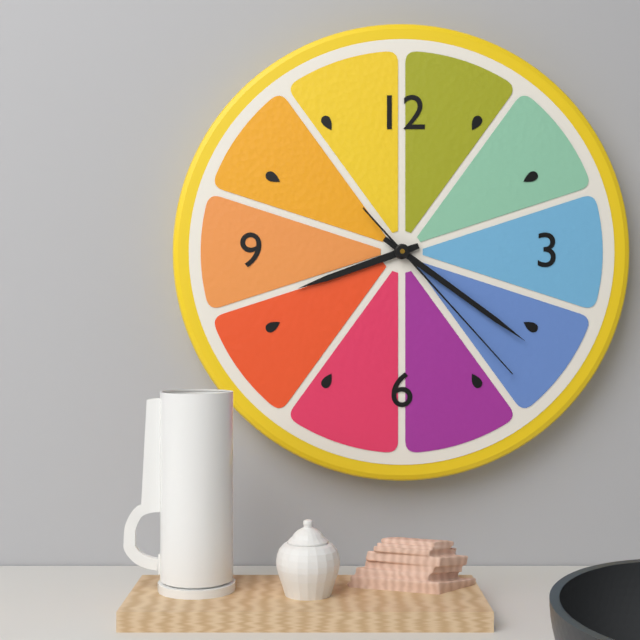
8:21:23
